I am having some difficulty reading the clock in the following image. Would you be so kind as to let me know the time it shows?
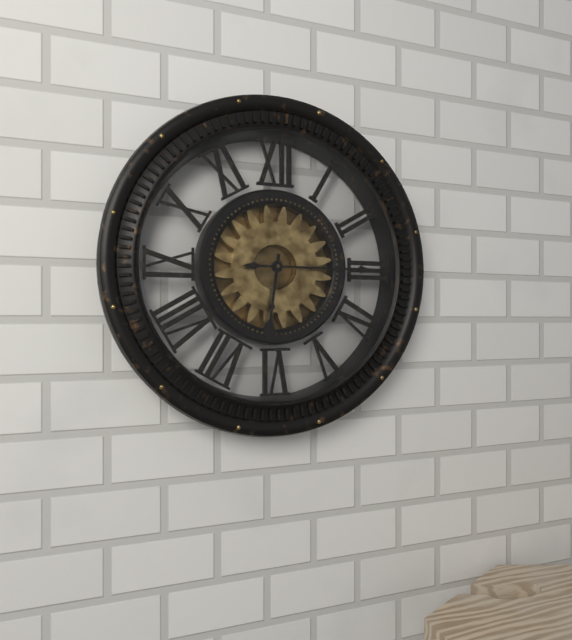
6:15
